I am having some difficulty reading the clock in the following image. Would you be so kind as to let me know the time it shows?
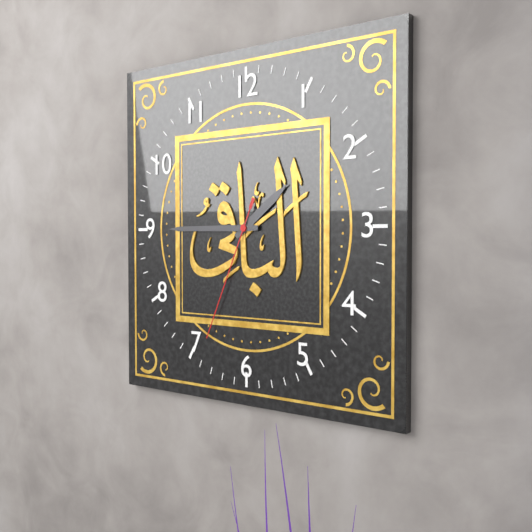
1:45:34
